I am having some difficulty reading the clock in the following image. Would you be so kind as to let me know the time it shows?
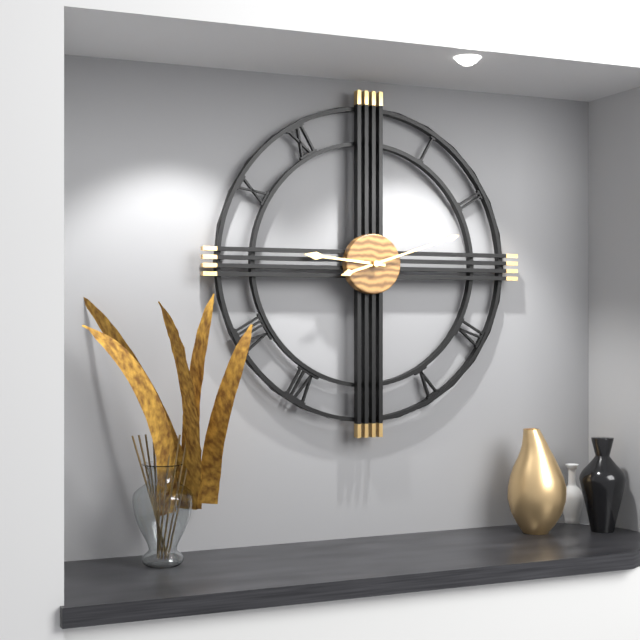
9:12
